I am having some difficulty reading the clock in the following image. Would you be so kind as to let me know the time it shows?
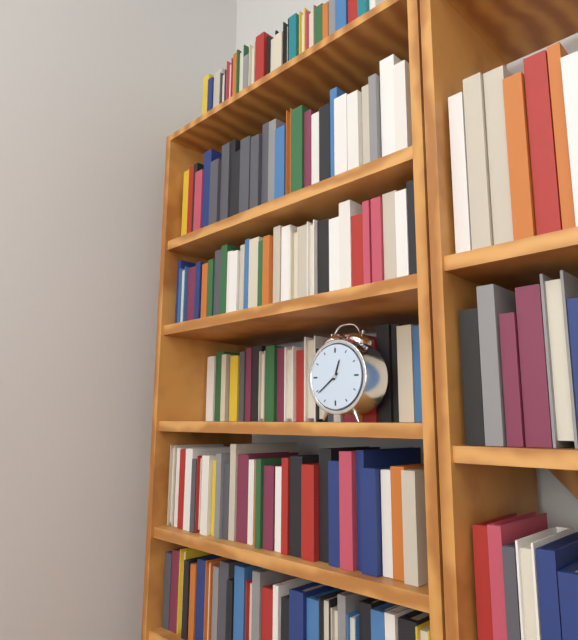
12:39
